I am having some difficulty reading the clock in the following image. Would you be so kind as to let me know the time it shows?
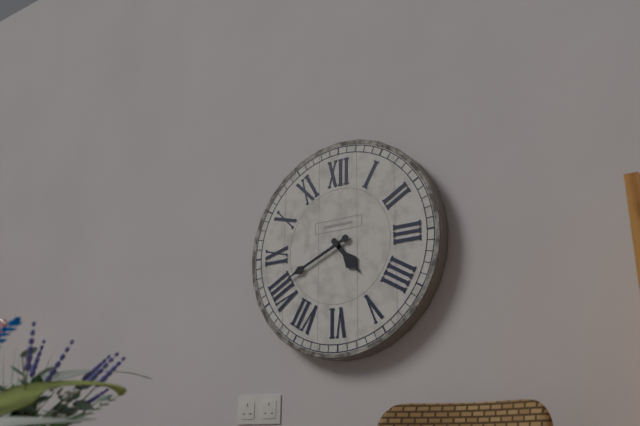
4:41
